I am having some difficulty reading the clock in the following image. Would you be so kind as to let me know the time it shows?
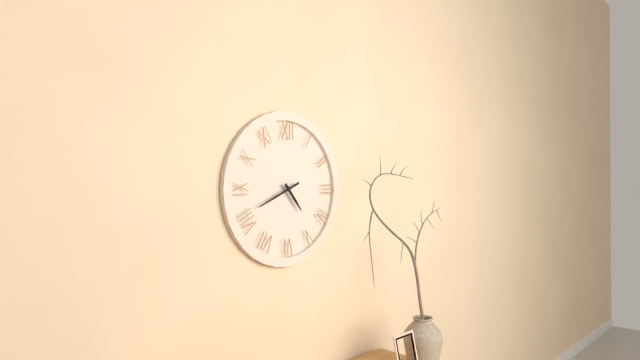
4:41
